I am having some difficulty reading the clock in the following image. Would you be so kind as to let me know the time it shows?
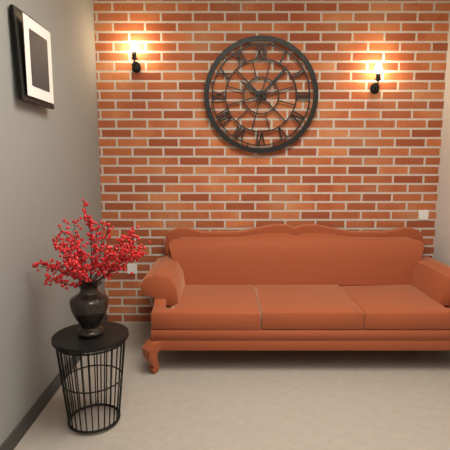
10:07
